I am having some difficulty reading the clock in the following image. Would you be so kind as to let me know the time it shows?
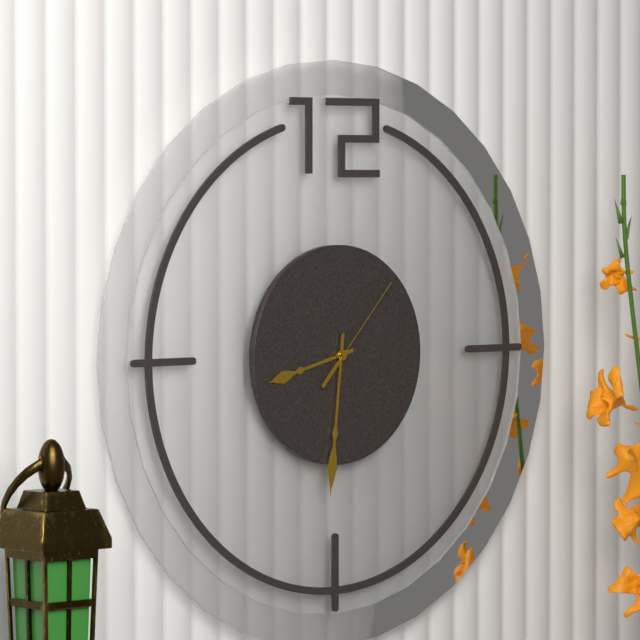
8:31:07
